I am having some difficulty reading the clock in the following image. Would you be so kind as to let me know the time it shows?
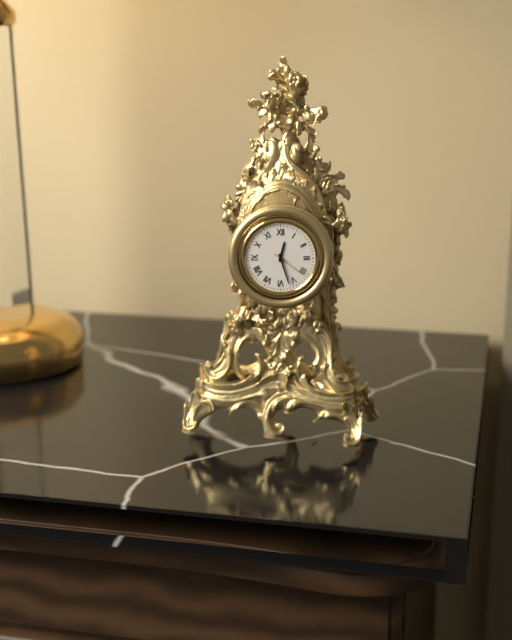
12:27
